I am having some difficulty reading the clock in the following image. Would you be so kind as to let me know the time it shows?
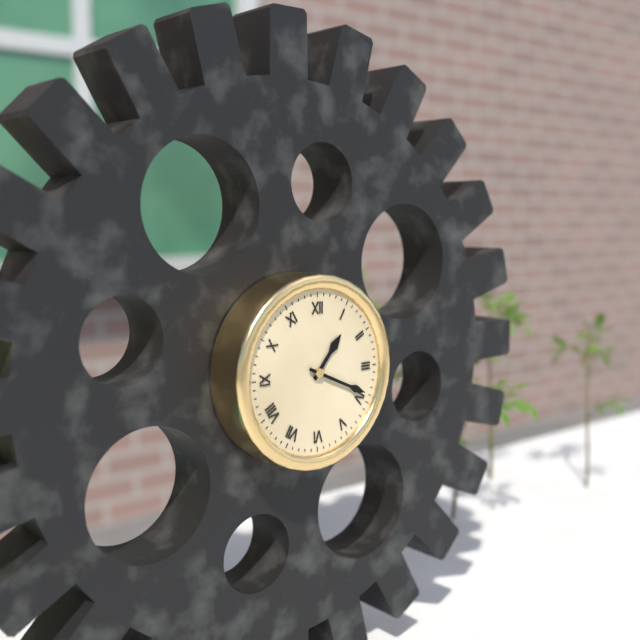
1:19
